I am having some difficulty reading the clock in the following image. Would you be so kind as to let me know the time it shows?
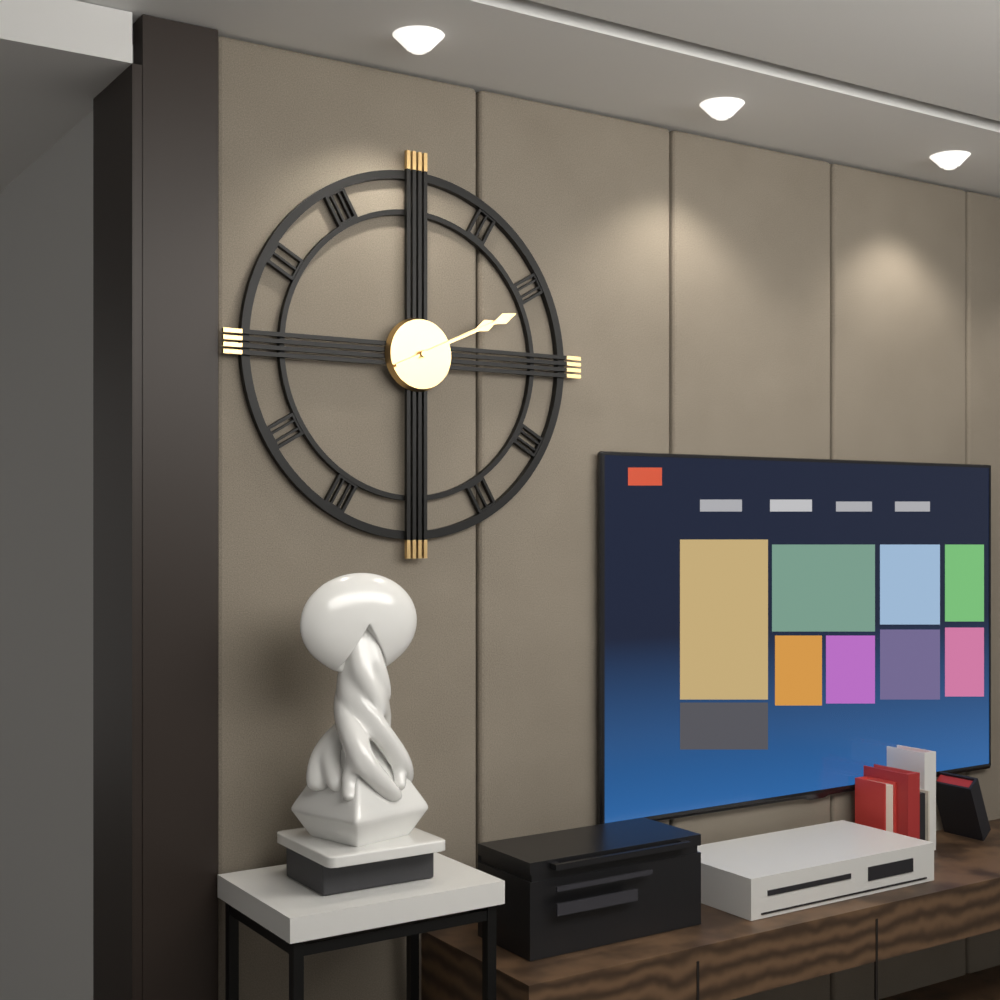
2:11
